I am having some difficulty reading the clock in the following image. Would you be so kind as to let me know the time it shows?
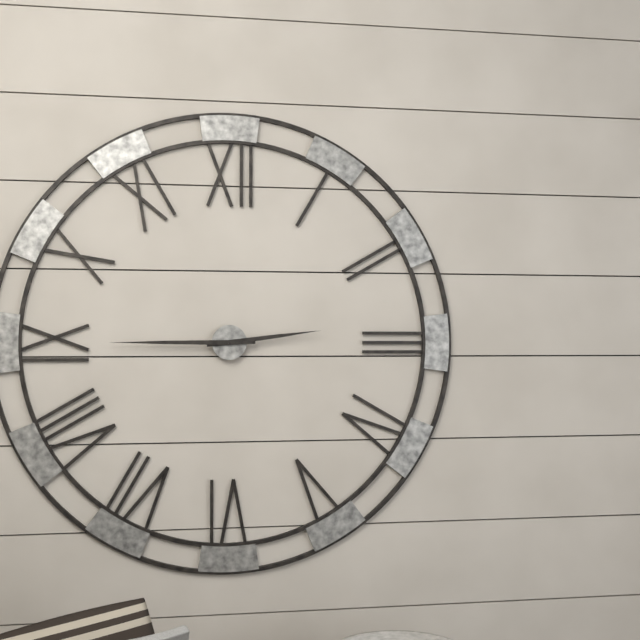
2:45
